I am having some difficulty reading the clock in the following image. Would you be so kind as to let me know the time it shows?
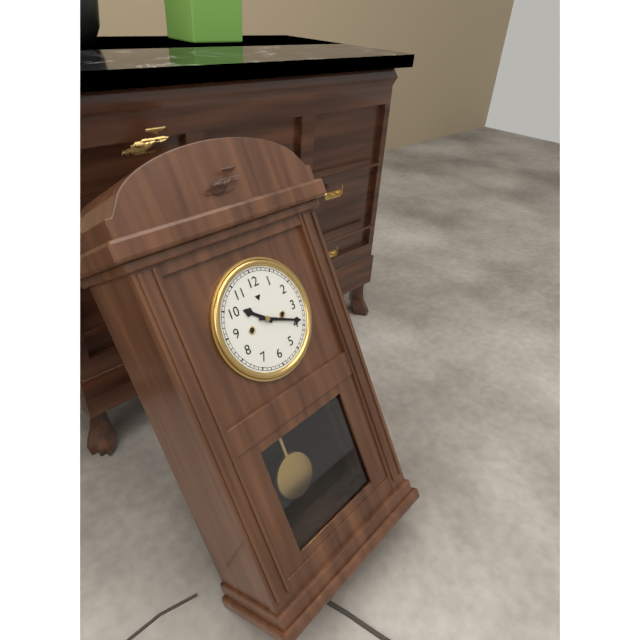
10:19
